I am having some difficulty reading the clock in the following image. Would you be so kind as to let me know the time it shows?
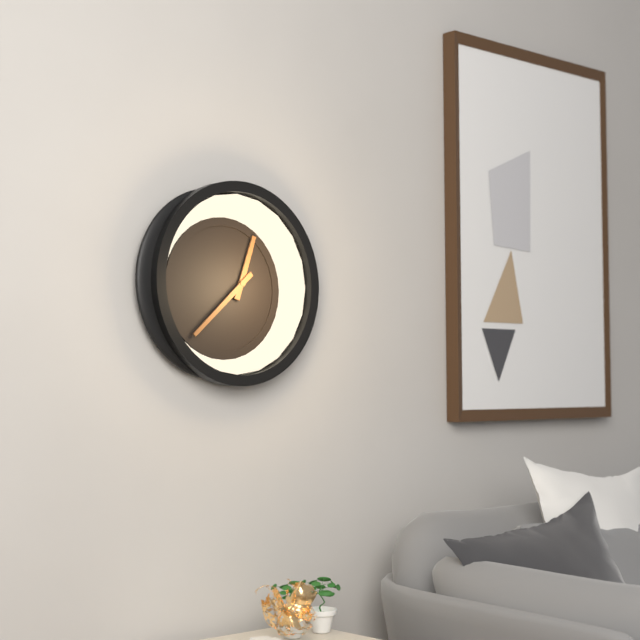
12:38
